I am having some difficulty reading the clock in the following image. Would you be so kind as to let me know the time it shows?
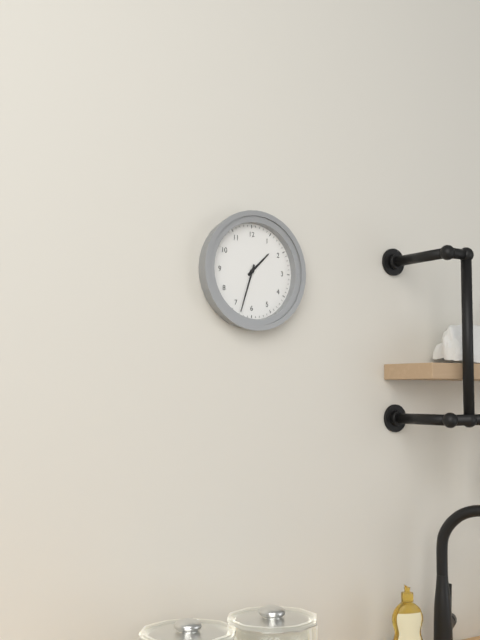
1:33
